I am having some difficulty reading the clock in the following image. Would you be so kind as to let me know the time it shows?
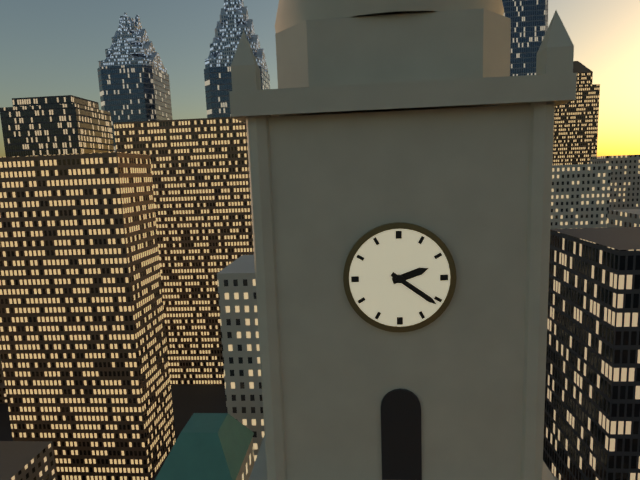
2:21
